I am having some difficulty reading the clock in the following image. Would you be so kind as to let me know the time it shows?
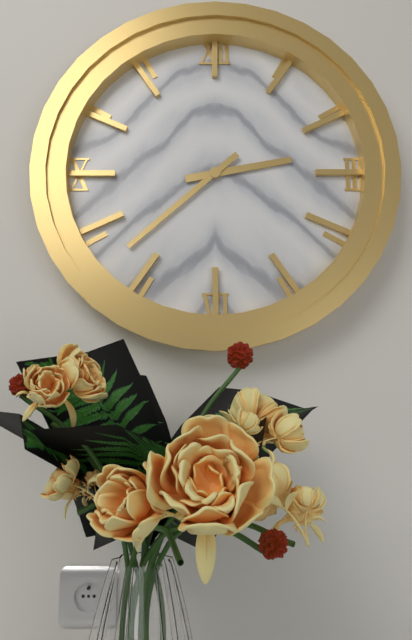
2:38
